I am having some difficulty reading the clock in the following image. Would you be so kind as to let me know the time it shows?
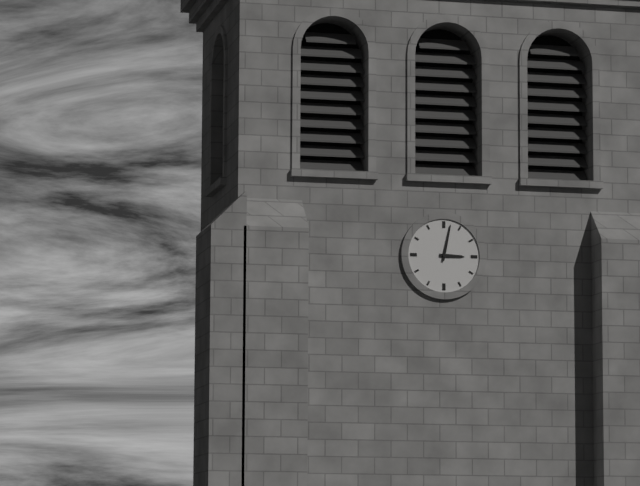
3:02
